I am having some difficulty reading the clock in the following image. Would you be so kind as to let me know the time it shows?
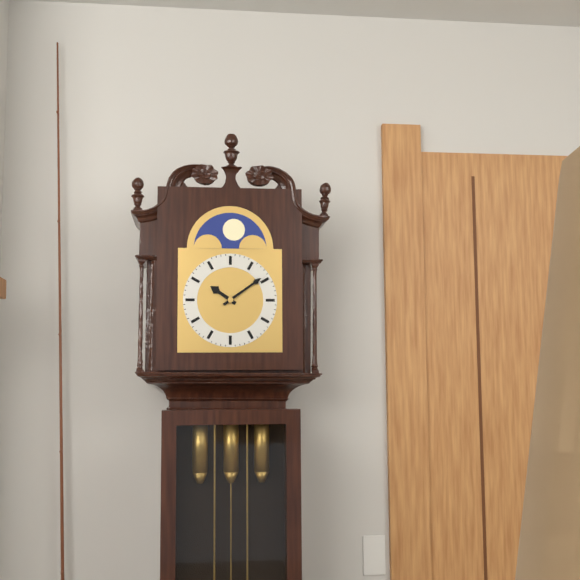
10:09
